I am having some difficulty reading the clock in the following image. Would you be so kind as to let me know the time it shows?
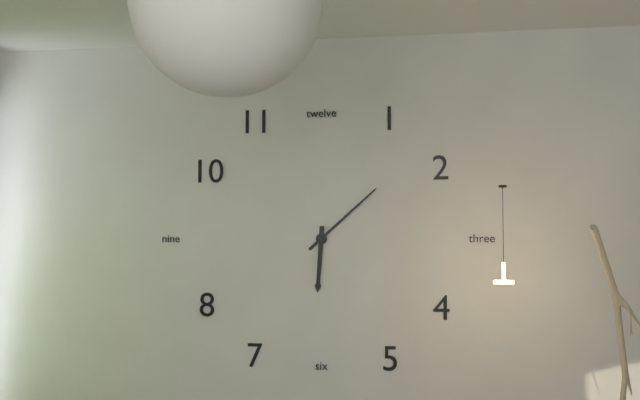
6:08
